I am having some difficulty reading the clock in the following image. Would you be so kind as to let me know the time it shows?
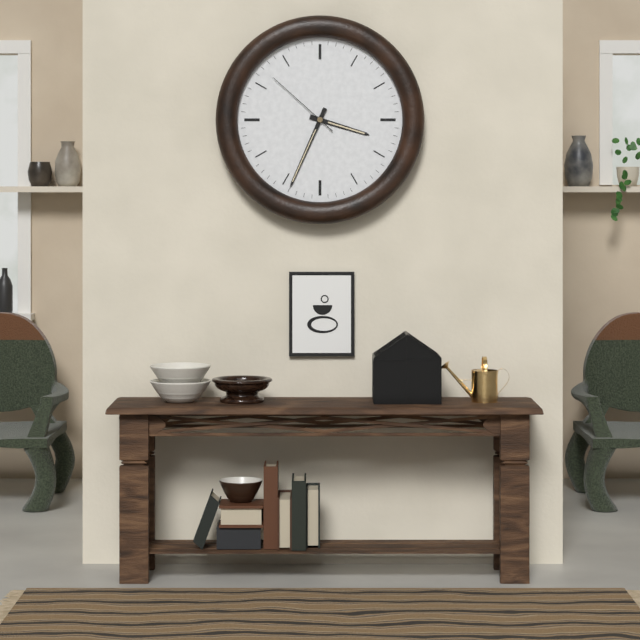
3:34:52
